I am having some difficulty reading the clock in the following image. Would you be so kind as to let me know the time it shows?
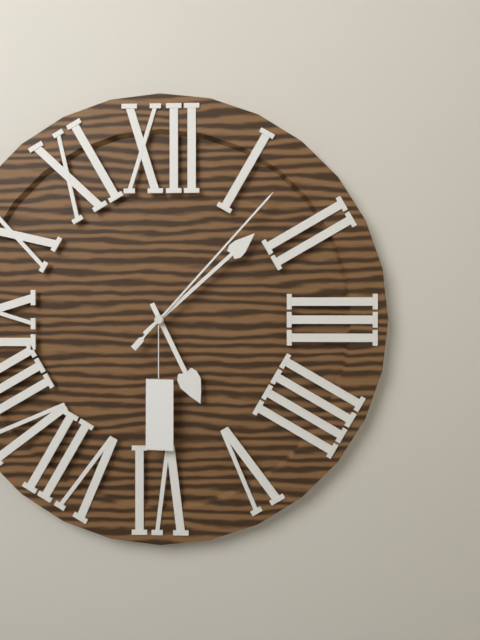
5:08:07
